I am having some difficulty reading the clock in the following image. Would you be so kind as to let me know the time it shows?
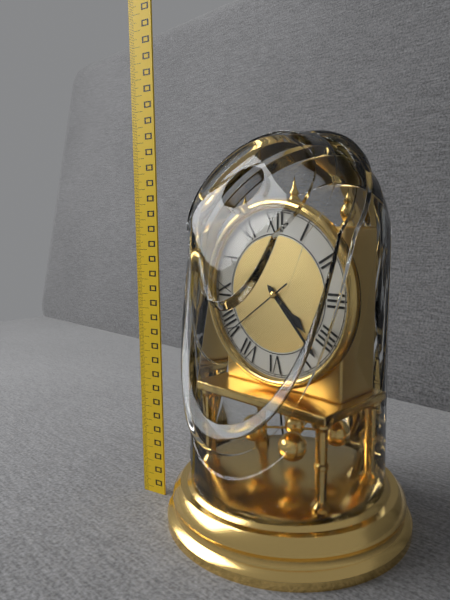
4:23:39
